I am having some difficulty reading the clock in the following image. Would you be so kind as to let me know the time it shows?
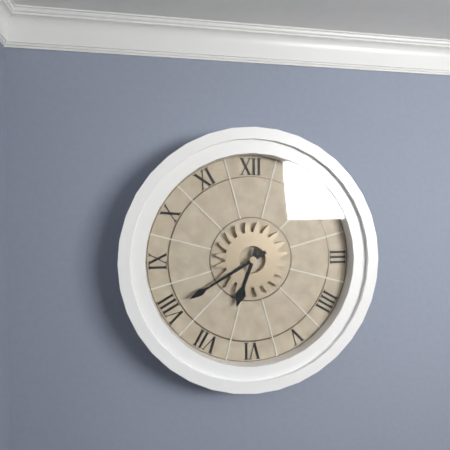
6:40
